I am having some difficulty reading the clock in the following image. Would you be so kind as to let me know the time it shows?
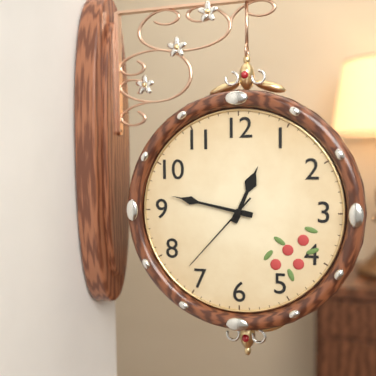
12:47:37
